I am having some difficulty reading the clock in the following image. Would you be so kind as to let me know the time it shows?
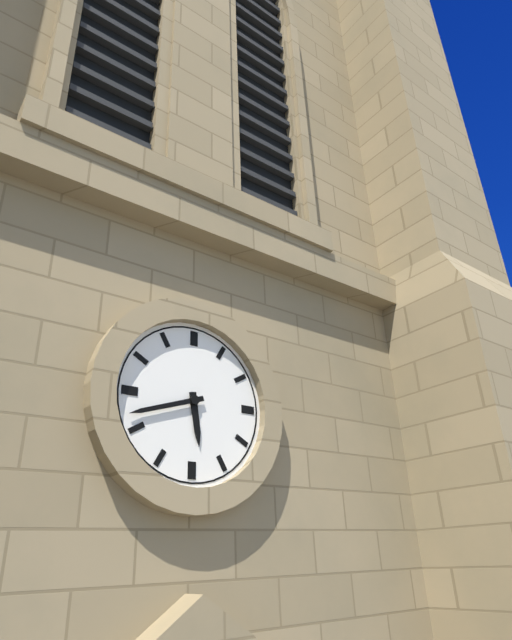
5:42
